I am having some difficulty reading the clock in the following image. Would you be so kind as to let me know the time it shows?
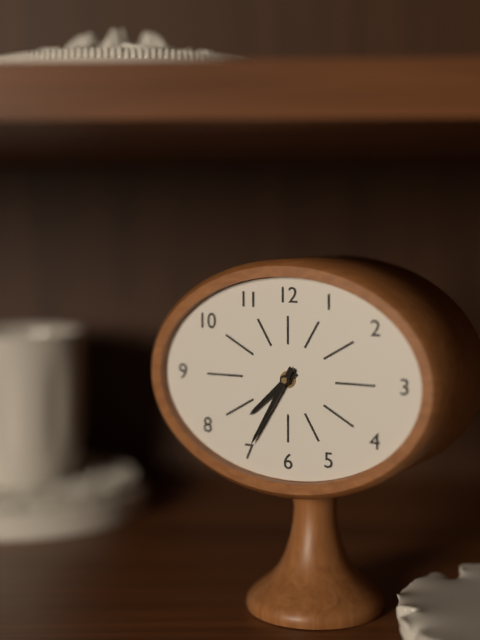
7:35
